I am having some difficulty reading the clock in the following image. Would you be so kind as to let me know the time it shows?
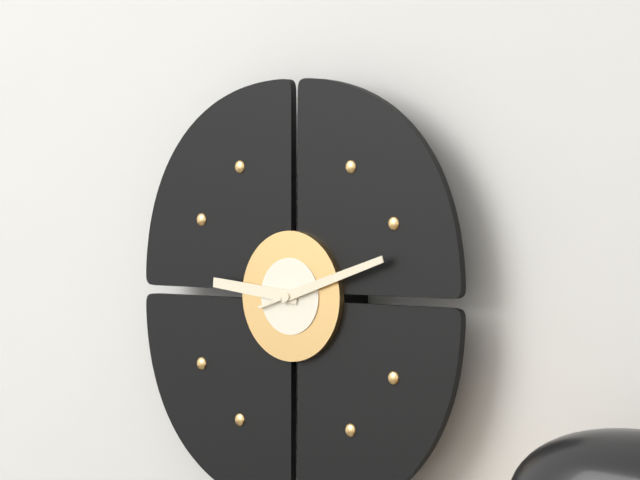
9:12
